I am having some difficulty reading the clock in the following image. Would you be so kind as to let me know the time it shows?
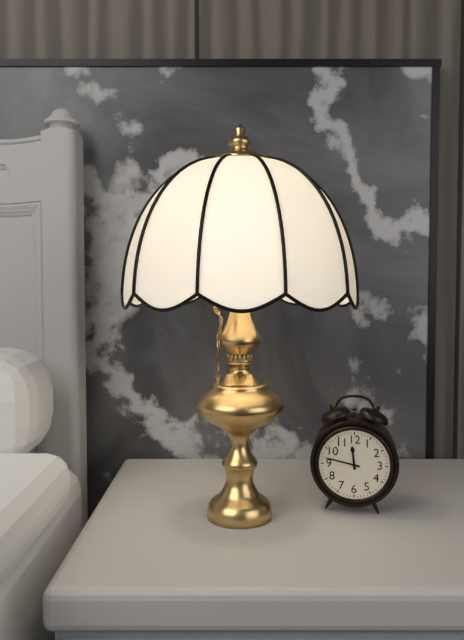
11:47
